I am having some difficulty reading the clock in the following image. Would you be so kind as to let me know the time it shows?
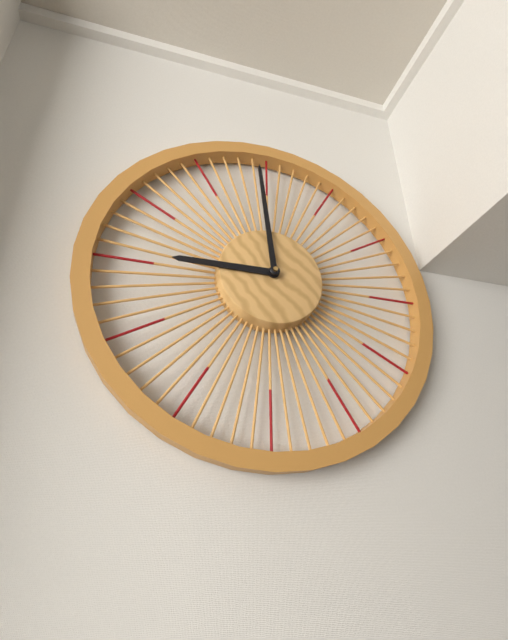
8:59
